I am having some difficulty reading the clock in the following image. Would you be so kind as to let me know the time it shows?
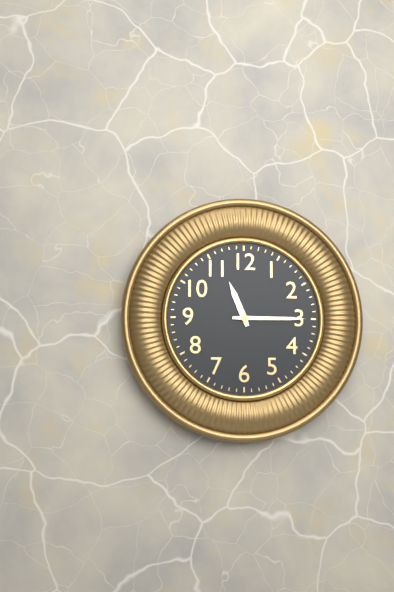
11:15
